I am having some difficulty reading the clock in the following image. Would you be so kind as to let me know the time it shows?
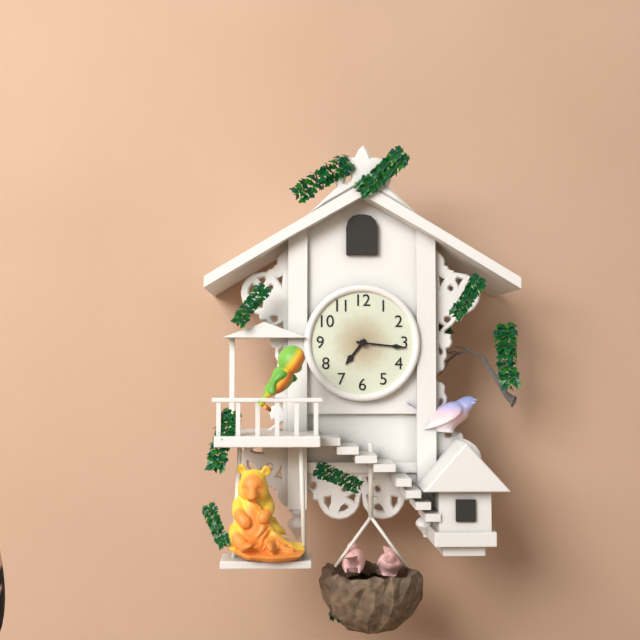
7:16
